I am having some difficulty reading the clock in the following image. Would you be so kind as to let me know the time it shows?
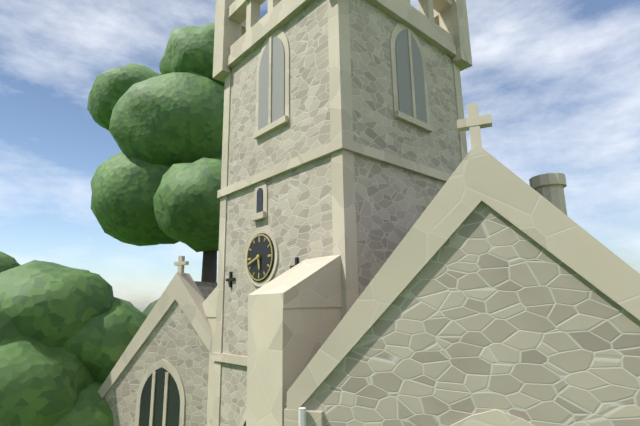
5:42
